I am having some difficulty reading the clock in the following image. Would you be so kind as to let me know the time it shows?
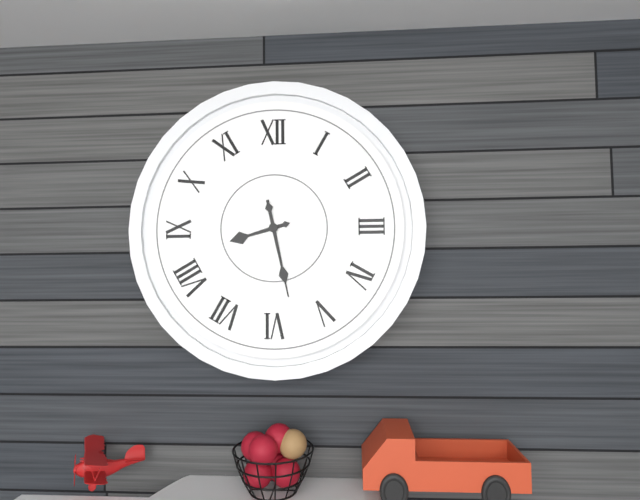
8:28
